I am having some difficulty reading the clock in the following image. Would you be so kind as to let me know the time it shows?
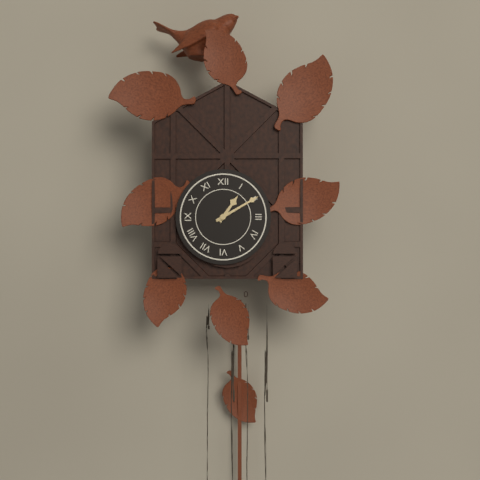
1:10
